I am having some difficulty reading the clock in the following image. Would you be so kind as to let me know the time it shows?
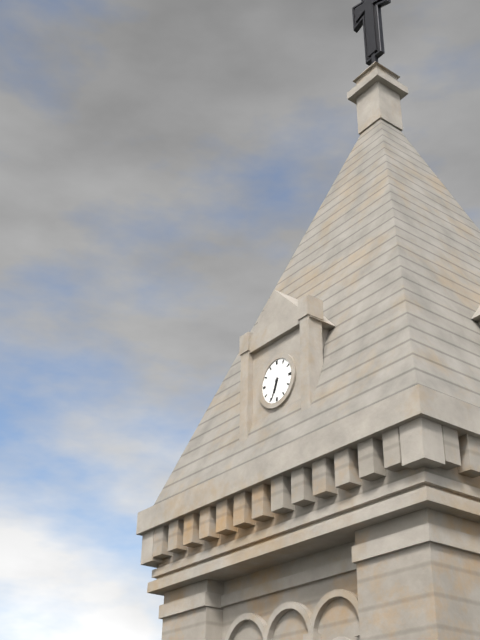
6:34
